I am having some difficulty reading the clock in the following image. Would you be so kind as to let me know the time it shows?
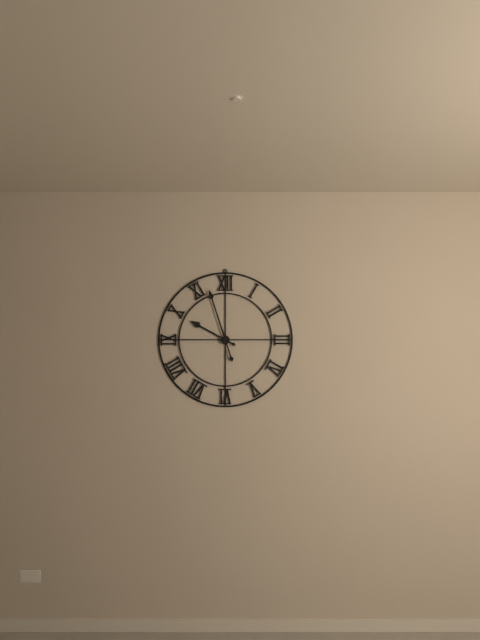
9:57
